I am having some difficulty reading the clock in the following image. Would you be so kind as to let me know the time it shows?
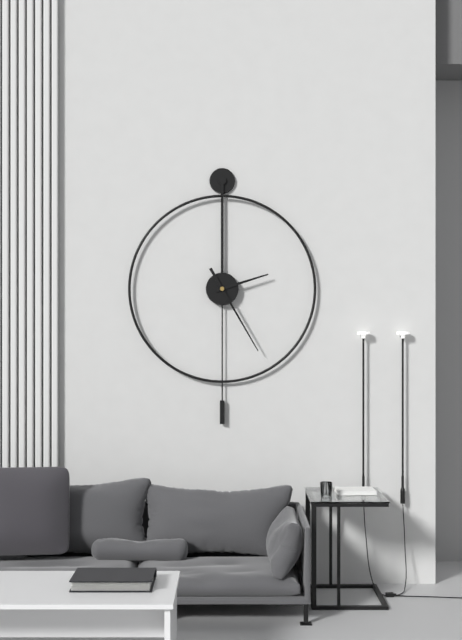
2:25
